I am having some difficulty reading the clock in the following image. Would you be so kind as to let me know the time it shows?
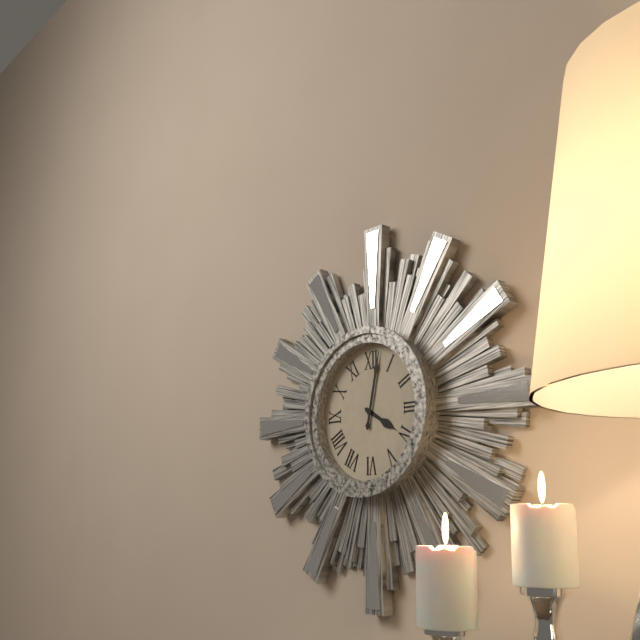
4:02
